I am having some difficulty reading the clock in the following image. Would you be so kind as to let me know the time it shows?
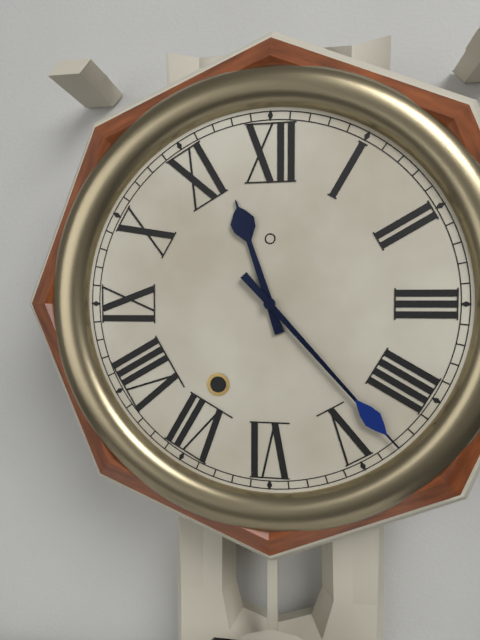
11:23
